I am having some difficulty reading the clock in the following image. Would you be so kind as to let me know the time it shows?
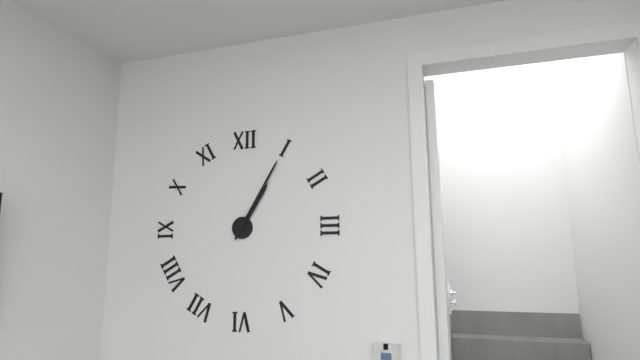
1:05
